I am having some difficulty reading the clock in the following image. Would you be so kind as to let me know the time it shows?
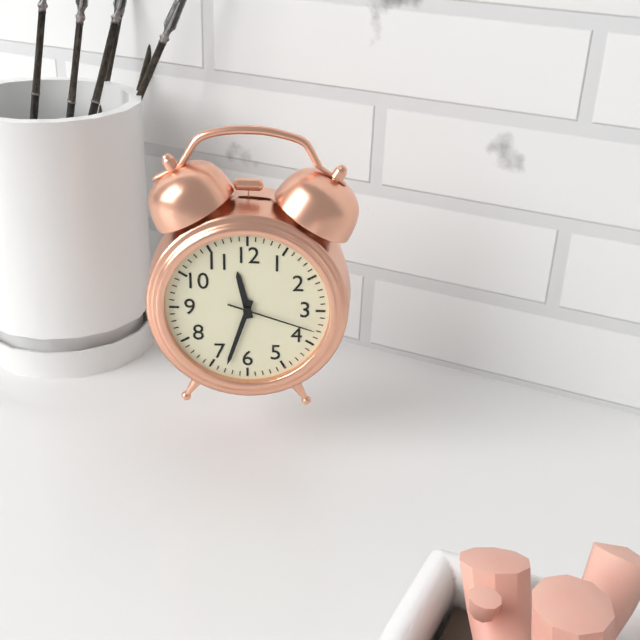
11:33:18
